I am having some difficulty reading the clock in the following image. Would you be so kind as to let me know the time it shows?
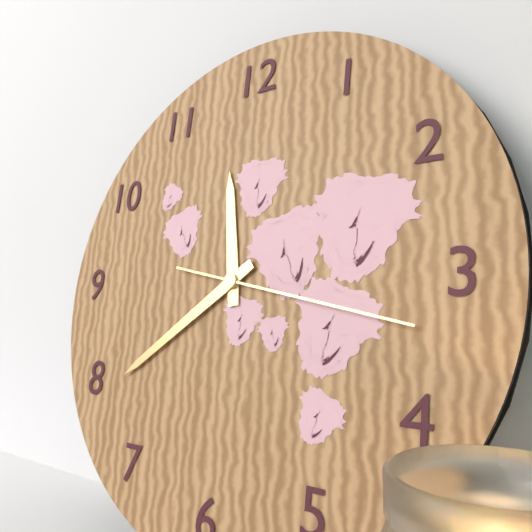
11:39:17
